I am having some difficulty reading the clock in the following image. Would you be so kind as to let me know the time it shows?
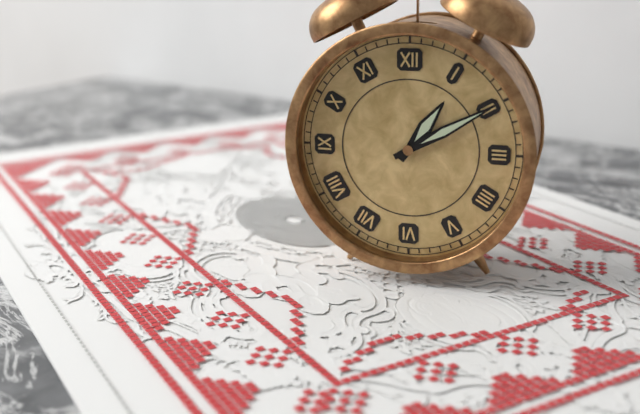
1:10
